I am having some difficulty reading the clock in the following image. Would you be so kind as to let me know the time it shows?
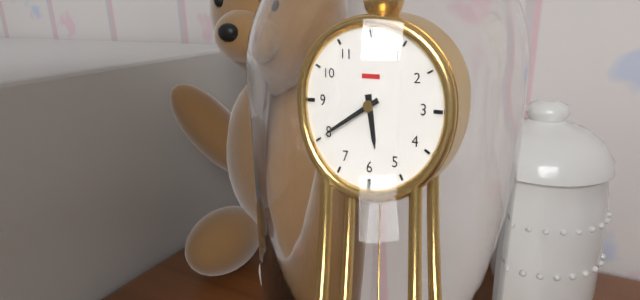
5:40
